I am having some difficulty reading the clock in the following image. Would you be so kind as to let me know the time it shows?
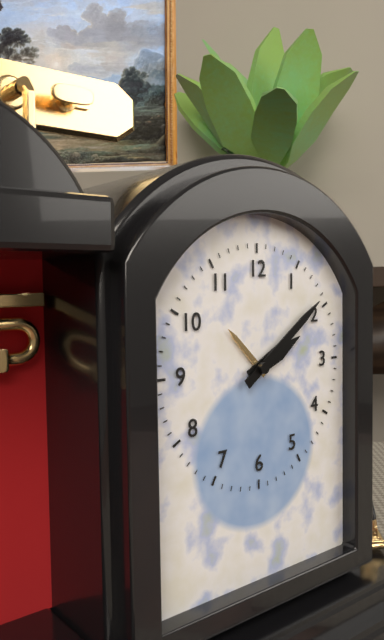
2:09
